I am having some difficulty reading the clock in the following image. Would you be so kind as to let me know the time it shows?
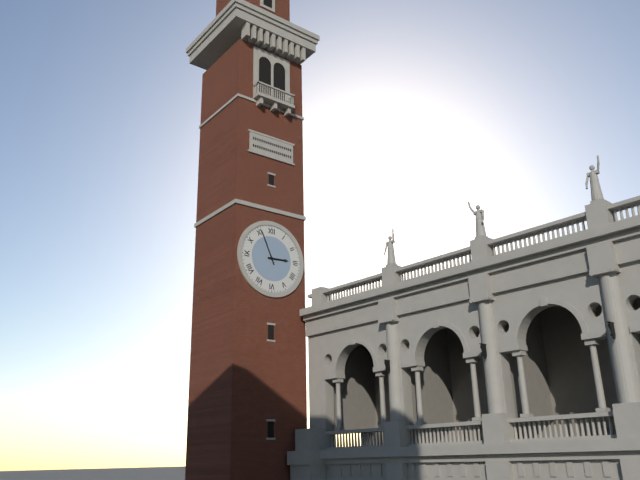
2:56
